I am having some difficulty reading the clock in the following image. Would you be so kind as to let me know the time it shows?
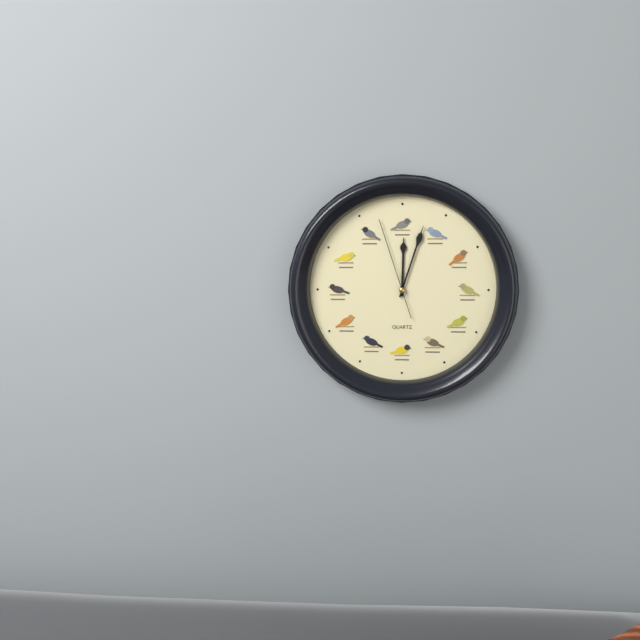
12:03:57
